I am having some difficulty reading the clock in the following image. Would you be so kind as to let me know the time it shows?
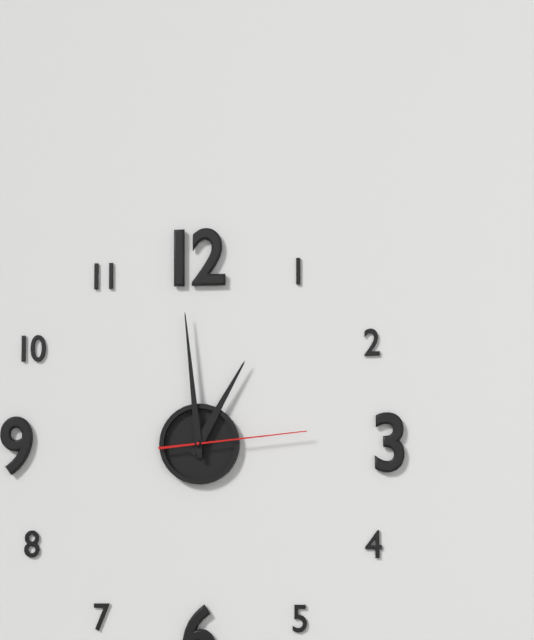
12:59:14
